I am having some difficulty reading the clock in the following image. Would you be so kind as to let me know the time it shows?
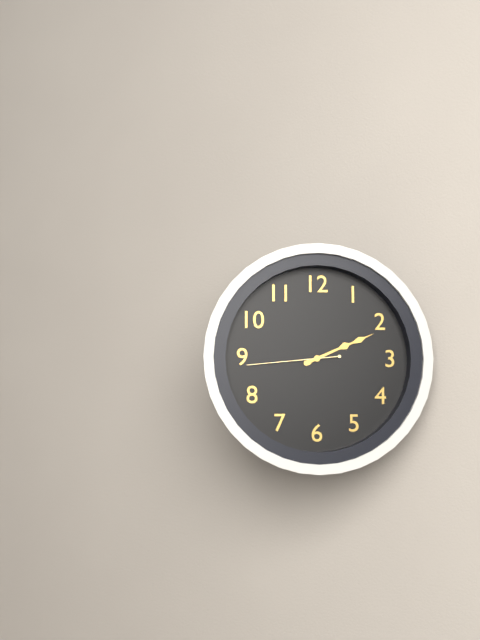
2:11:44
